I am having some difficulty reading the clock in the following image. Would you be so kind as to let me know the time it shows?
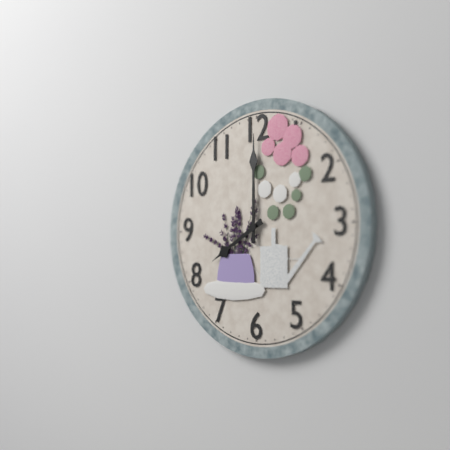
8:00
